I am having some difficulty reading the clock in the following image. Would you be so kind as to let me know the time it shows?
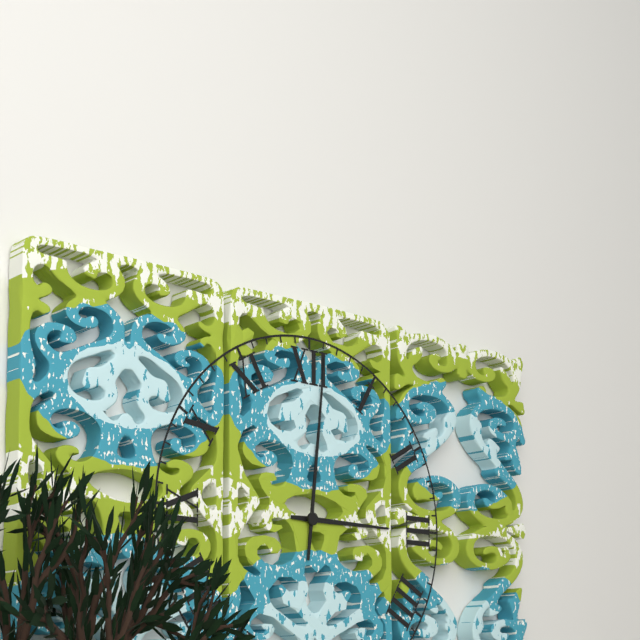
3:01
